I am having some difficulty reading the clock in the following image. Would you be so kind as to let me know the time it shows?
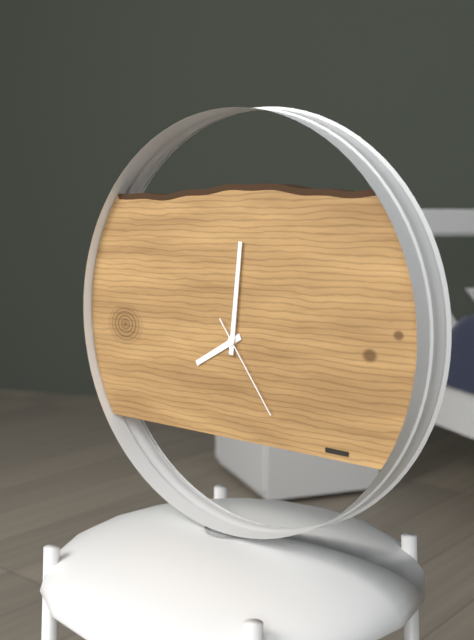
8:01:24
